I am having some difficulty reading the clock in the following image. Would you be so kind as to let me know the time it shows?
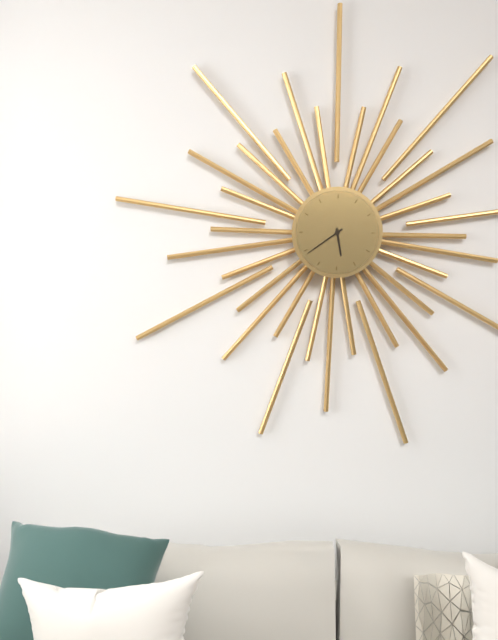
5:39
